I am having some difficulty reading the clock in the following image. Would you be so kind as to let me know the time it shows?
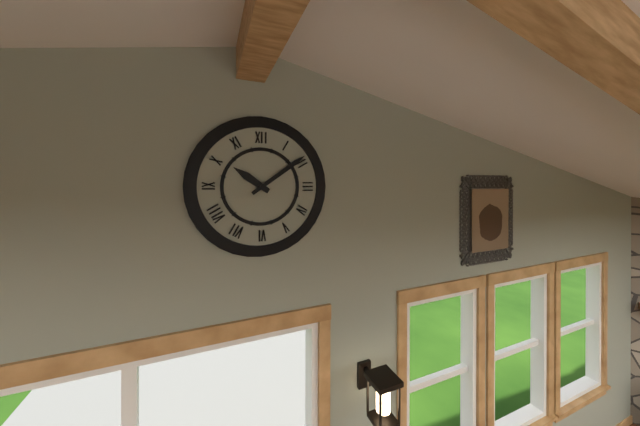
10:09
